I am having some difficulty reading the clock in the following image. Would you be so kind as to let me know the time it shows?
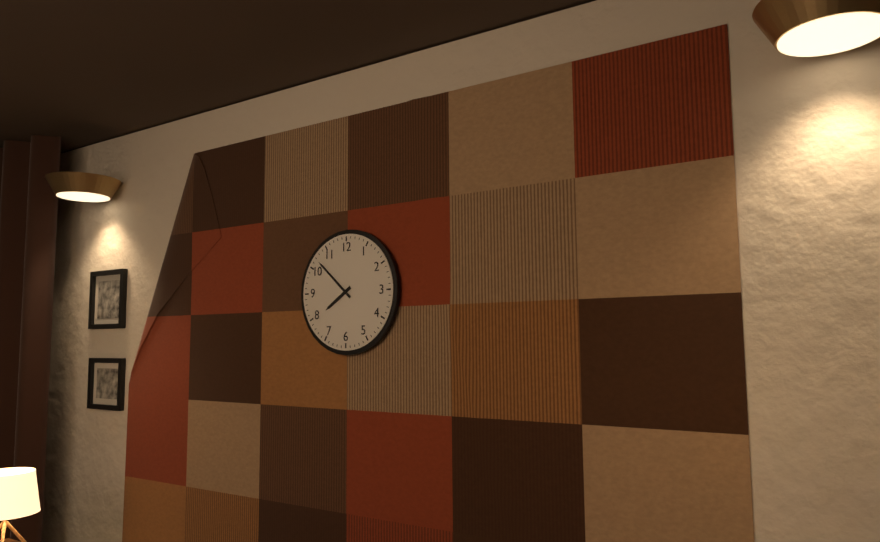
7:52
